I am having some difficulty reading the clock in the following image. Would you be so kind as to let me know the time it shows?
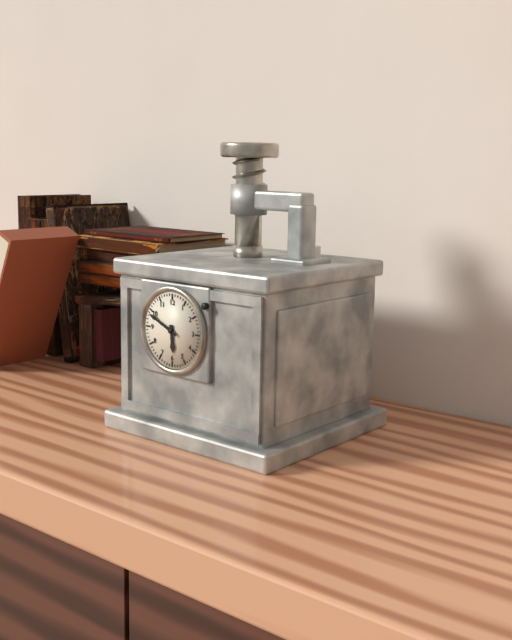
5:49
